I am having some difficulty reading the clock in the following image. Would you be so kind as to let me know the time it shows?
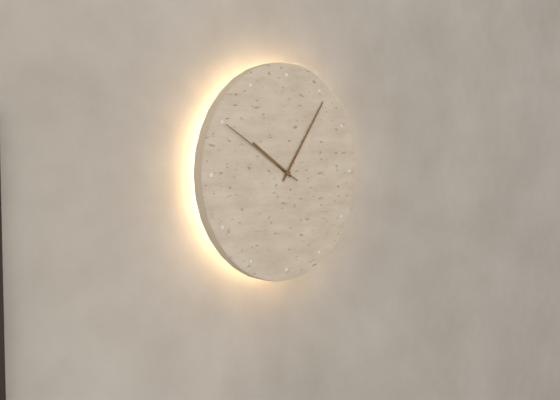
10:06:50
